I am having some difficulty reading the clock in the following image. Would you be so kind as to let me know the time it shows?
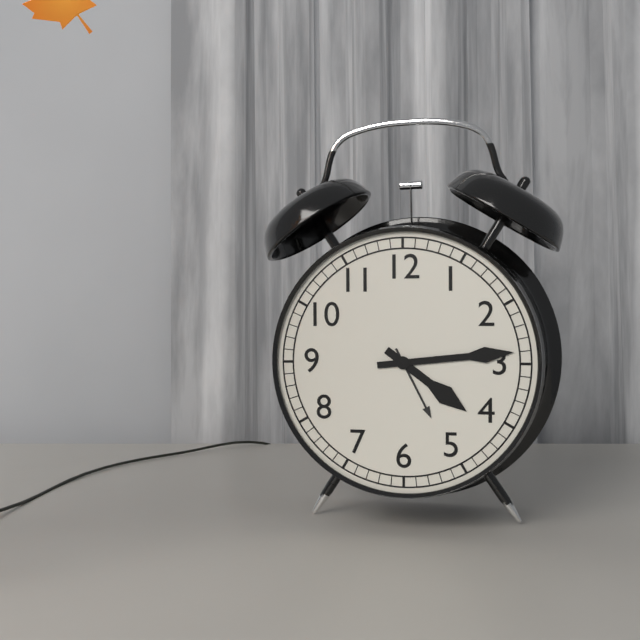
4:14
